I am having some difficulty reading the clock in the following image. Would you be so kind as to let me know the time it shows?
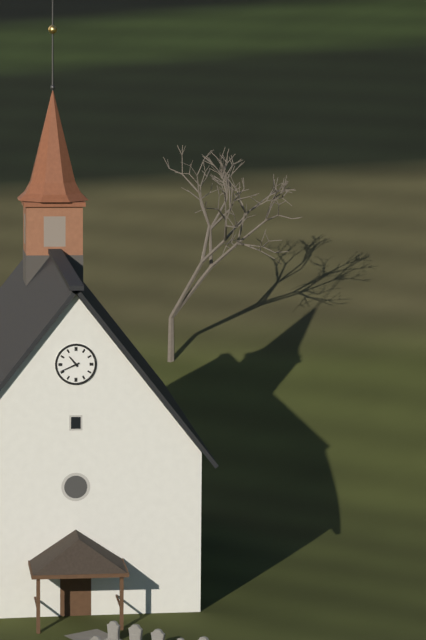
10:41
